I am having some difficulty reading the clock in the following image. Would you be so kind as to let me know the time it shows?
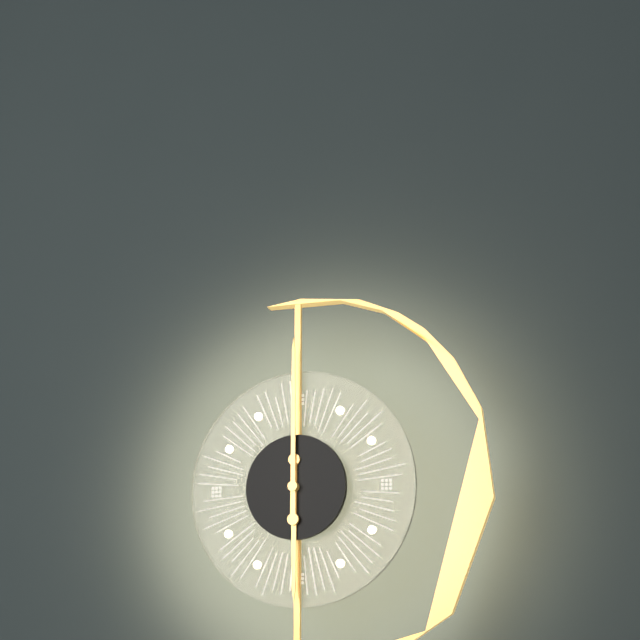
6:00
